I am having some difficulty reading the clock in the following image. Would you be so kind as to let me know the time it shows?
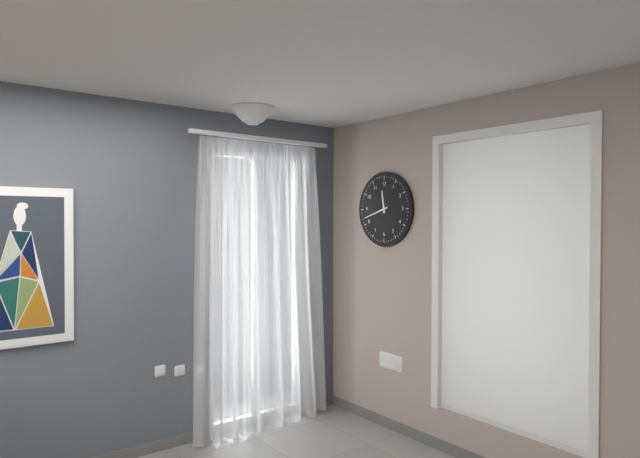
11:42
